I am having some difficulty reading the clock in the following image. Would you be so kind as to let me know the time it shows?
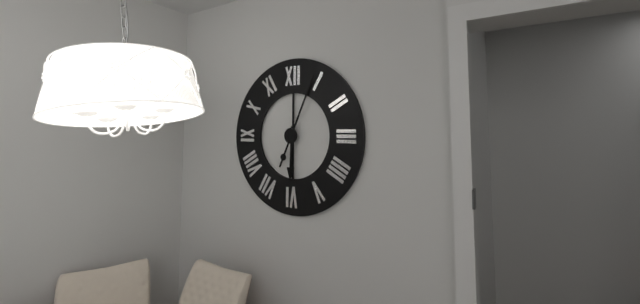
6:04
